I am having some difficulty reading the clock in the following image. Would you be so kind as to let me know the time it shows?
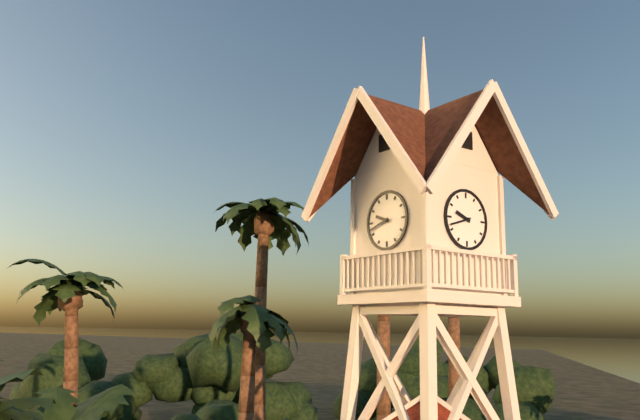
9:42
